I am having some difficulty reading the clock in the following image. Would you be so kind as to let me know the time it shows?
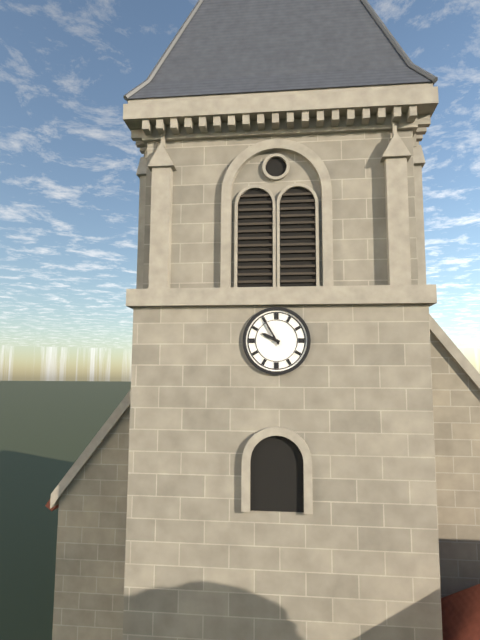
9:55
